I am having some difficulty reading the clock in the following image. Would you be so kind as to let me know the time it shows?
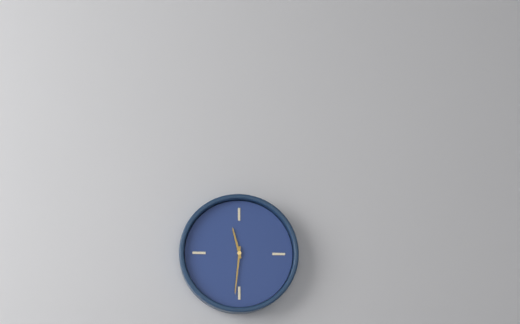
11:31
